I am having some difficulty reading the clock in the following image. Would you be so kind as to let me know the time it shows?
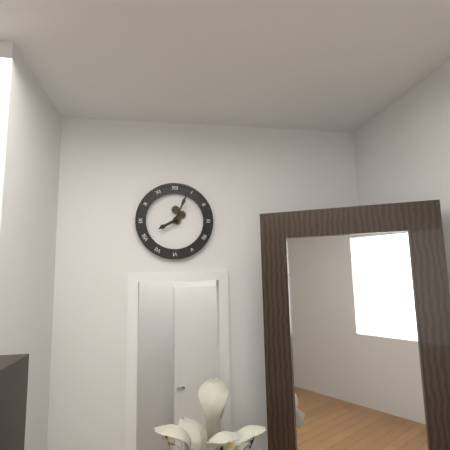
8:04
